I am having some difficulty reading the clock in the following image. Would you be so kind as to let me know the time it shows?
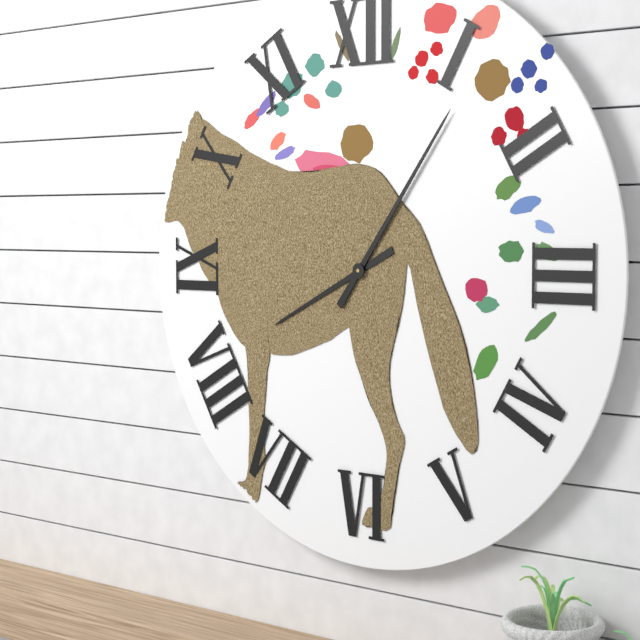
8:06
